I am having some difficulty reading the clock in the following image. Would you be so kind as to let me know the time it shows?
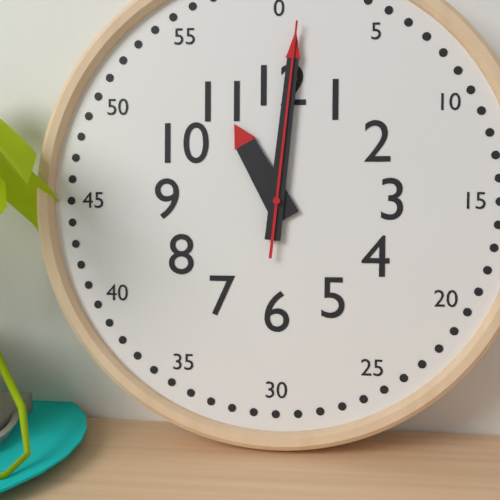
11:01:01
